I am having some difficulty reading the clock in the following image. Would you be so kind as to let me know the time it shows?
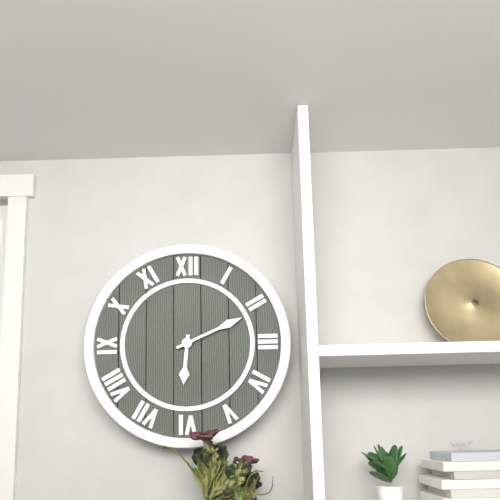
6:11
